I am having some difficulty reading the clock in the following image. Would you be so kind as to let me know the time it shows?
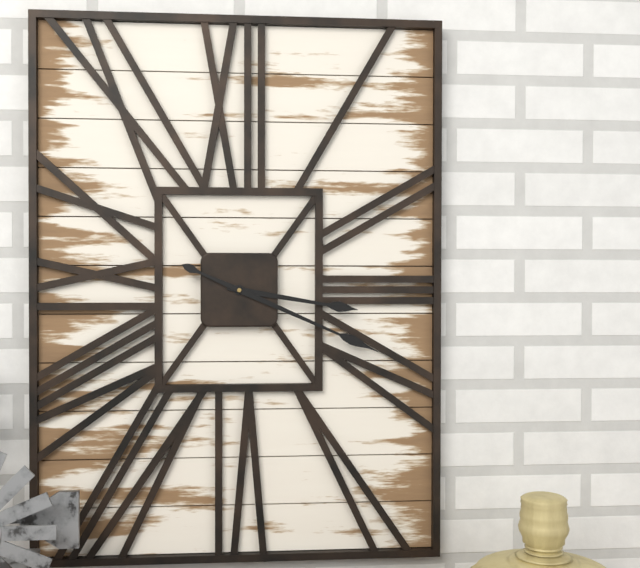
3:19
